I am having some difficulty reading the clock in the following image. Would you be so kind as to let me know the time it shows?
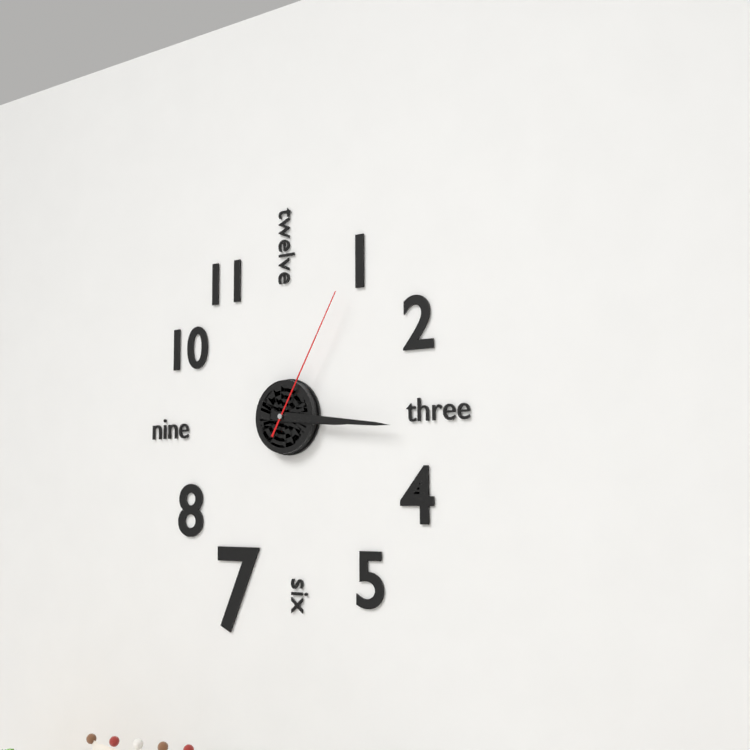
3:16:05
